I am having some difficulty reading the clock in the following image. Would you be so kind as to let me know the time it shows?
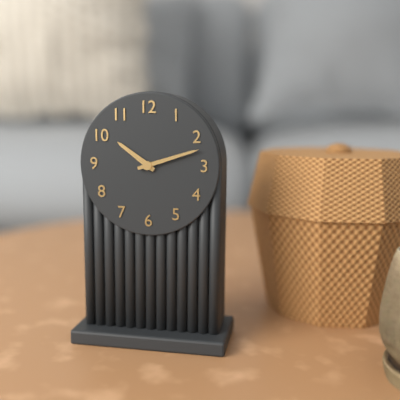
10:12
